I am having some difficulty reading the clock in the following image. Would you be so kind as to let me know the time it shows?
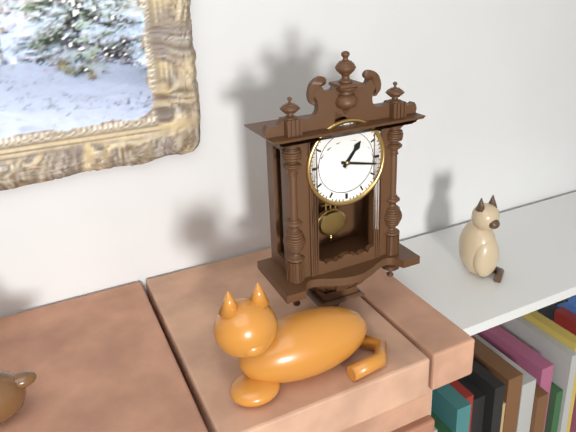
1:17
